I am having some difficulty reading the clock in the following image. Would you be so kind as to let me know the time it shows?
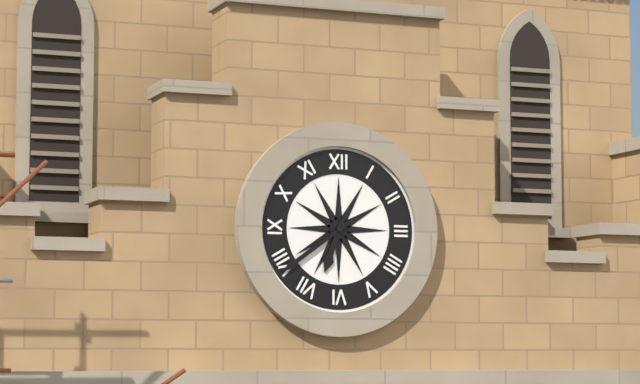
6:39
